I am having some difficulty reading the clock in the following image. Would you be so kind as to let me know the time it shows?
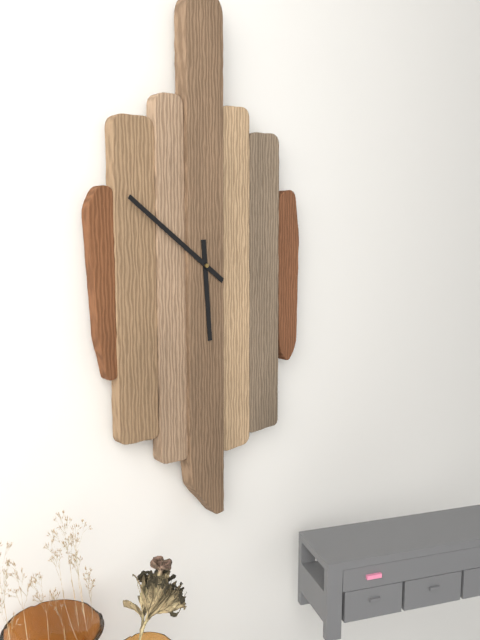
5:51
